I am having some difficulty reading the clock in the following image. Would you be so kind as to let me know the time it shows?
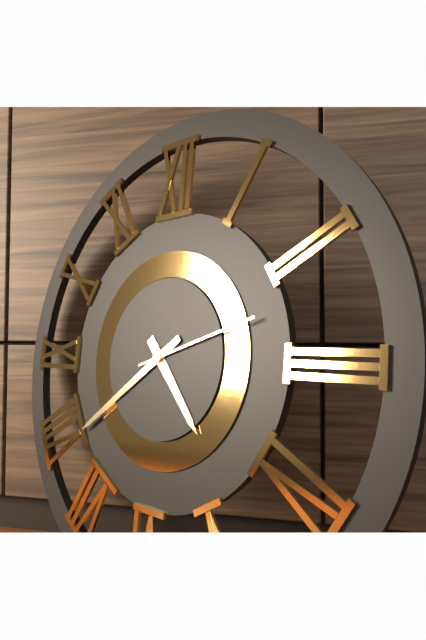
4:39:12
